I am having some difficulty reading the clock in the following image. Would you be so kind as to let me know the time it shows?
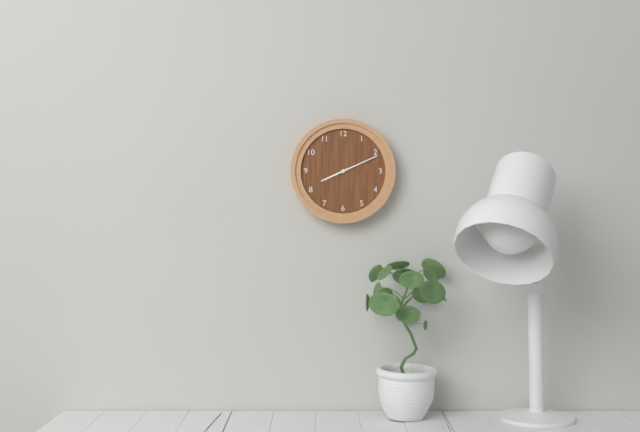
8:11
